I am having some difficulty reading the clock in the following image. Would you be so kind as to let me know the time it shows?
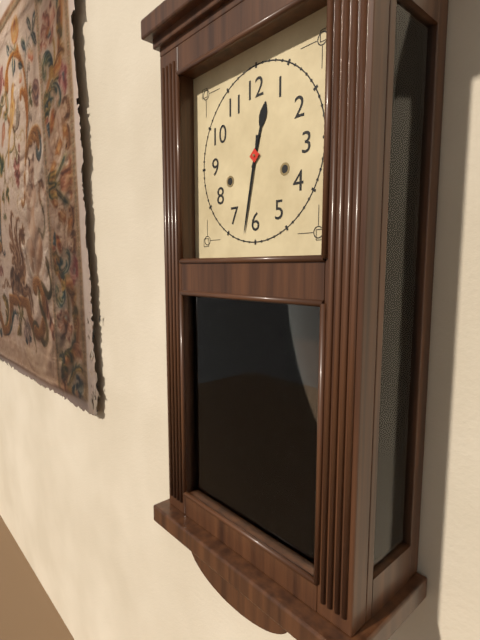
12:32
